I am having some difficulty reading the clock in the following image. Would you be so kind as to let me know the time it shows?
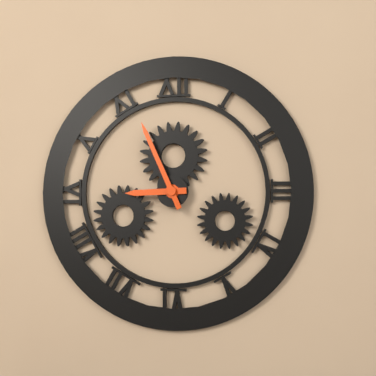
8:56
